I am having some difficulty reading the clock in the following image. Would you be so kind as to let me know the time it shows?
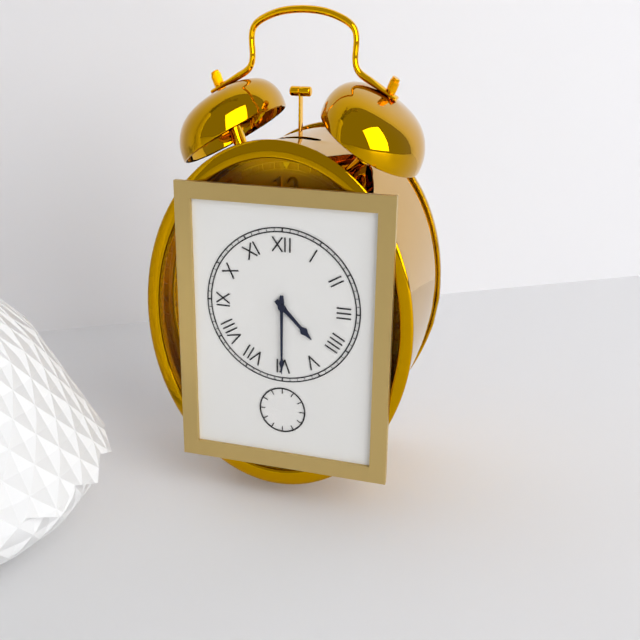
4:30
